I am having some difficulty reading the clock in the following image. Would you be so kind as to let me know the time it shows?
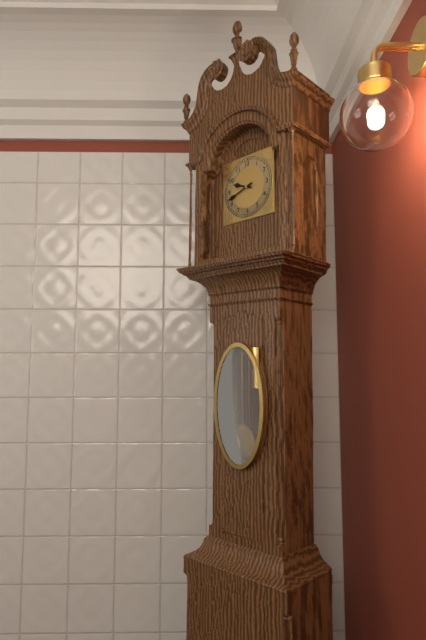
9:42
